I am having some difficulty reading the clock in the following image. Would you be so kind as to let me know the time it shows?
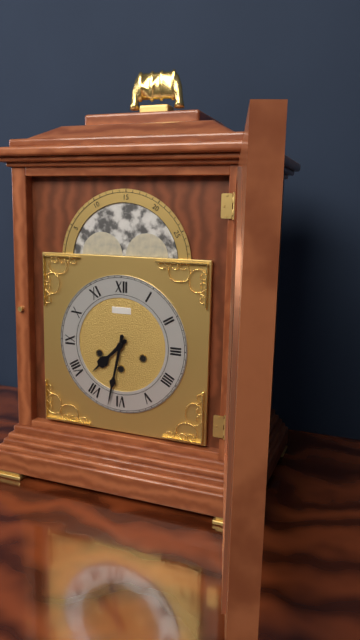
7:32
